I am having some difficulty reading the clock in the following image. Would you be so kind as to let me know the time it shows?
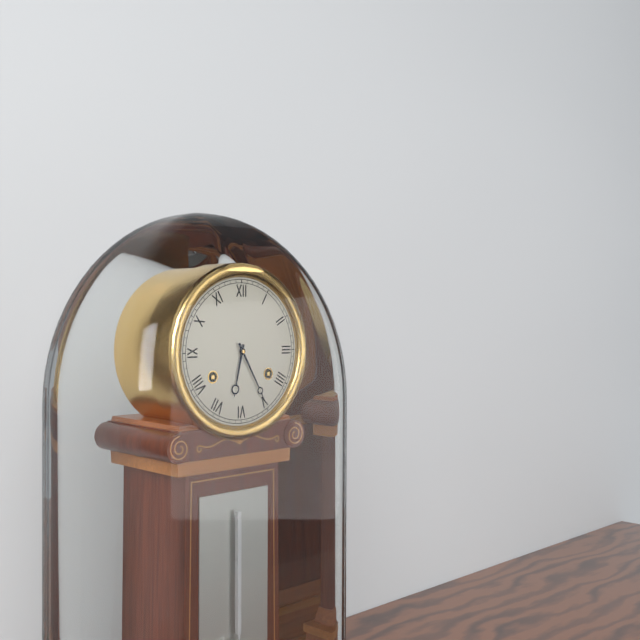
6:25
